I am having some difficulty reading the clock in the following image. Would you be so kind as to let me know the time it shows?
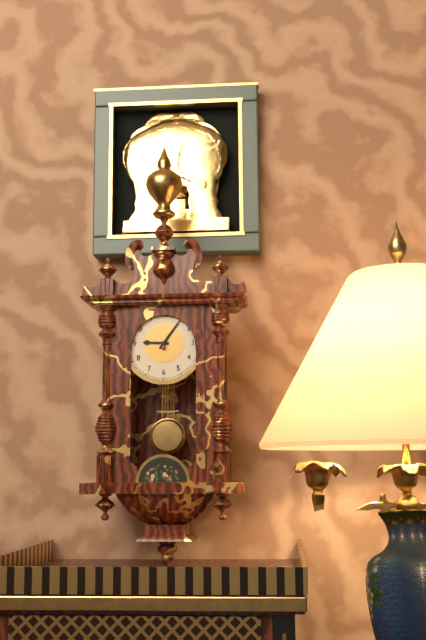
9:06
